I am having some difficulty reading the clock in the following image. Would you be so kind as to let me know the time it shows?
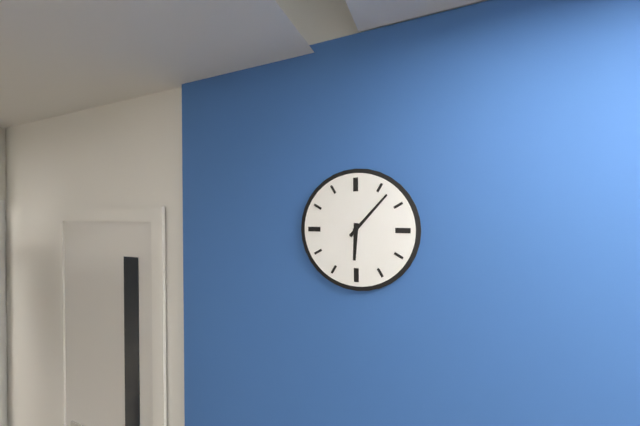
6:07
